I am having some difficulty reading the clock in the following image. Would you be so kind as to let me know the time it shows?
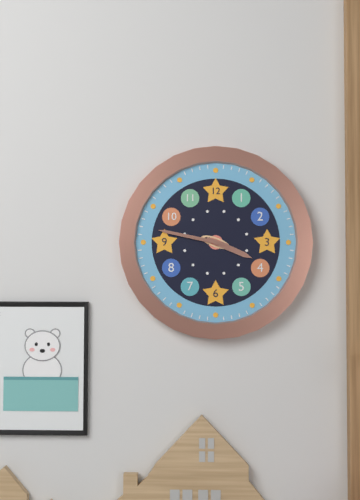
3:47
